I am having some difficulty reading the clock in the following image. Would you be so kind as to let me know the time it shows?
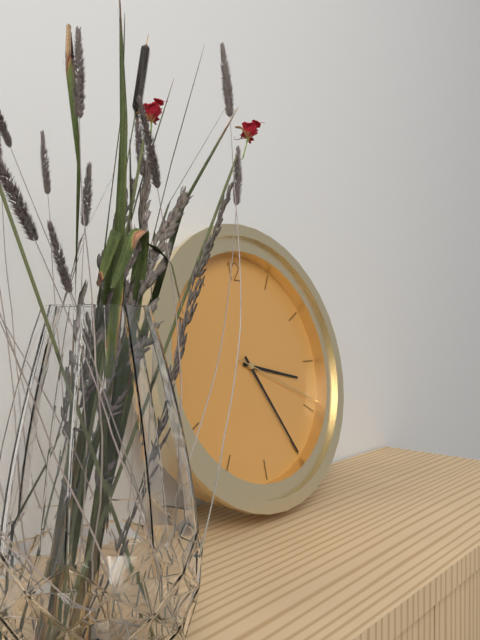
3:25:19
